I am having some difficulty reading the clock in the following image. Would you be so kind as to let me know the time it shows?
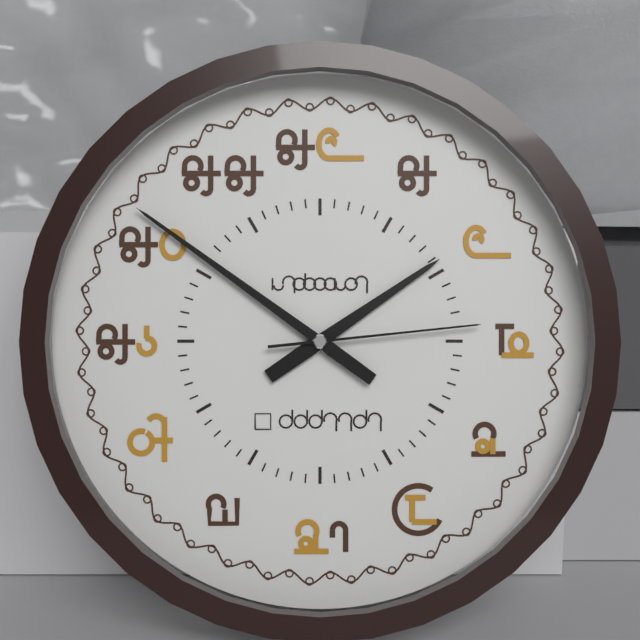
1:51:14
